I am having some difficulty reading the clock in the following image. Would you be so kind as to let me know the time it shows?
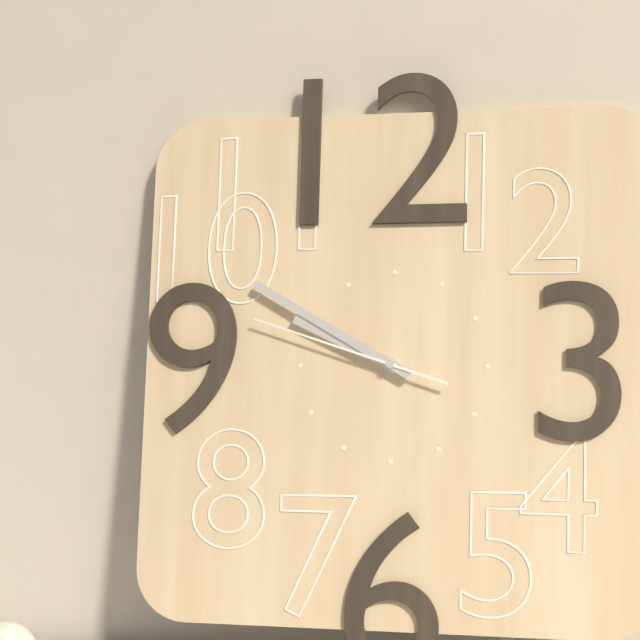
9:50:48
